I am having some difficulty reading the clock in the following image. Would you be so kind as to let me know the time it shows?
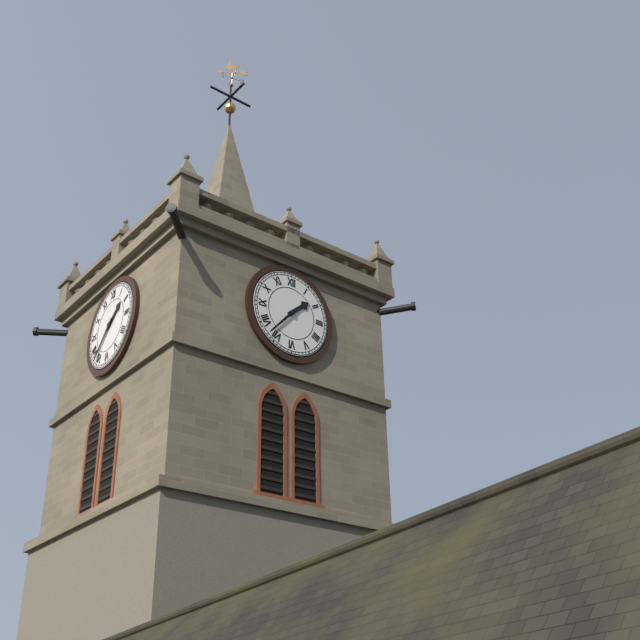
1:37
